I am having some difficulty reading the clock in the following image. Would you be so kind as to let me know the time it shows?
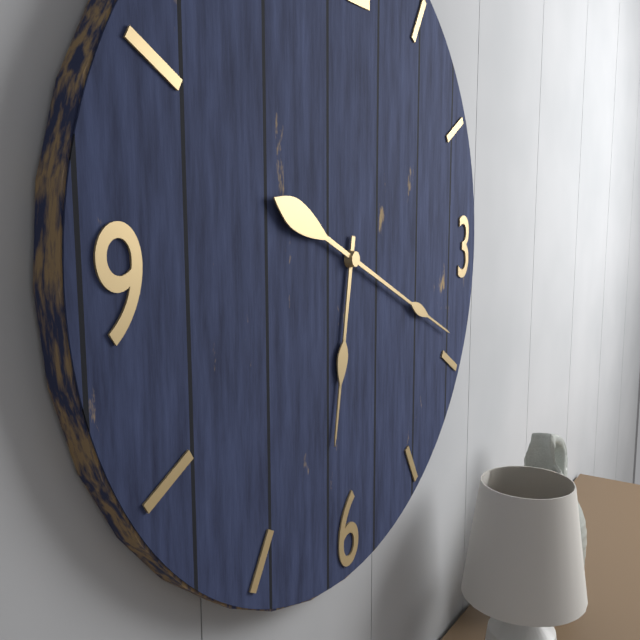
6:19
